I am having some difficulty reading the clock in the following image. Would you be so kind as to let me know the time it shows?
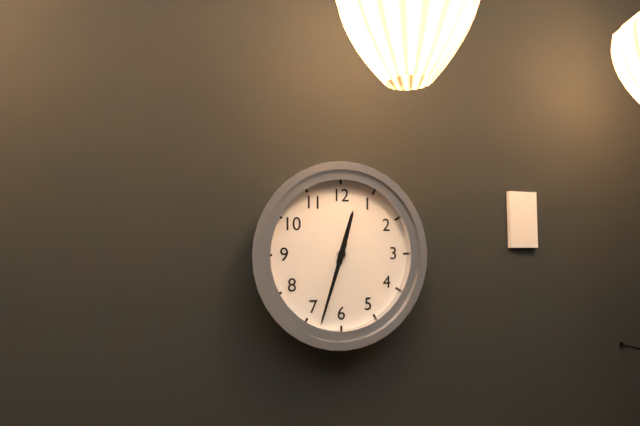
12:33
